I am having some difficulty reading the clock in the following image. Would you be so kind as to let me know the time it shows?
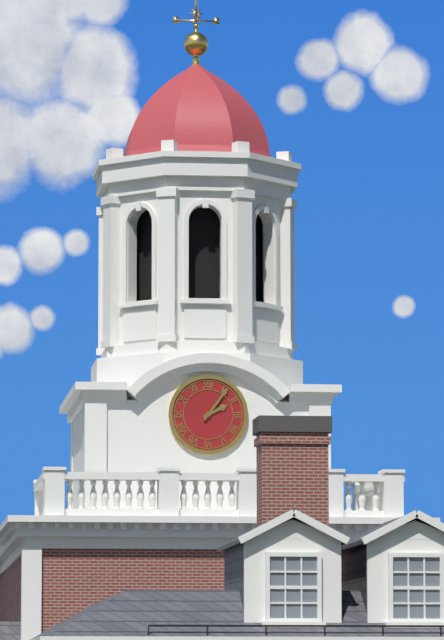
2:06
